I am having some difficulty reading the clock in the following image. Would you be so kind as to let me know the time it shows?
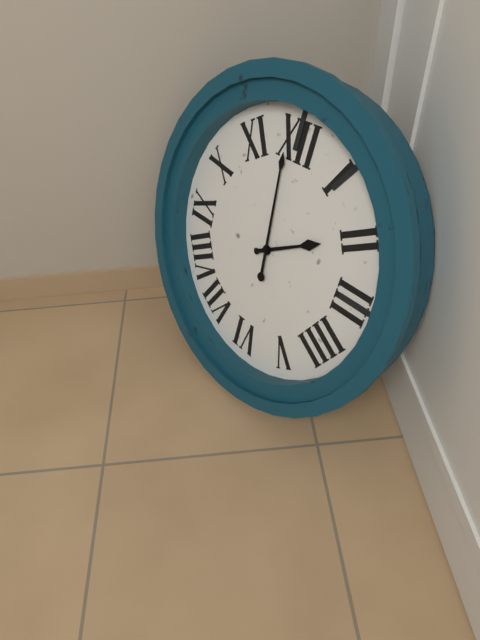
1:59
